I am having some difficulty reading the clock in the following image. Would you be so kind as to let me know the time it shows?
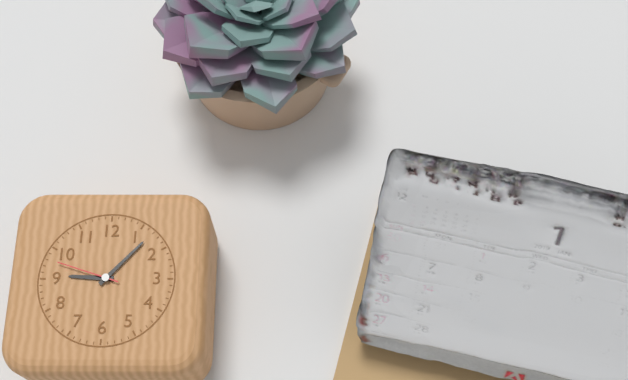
9:07:48
